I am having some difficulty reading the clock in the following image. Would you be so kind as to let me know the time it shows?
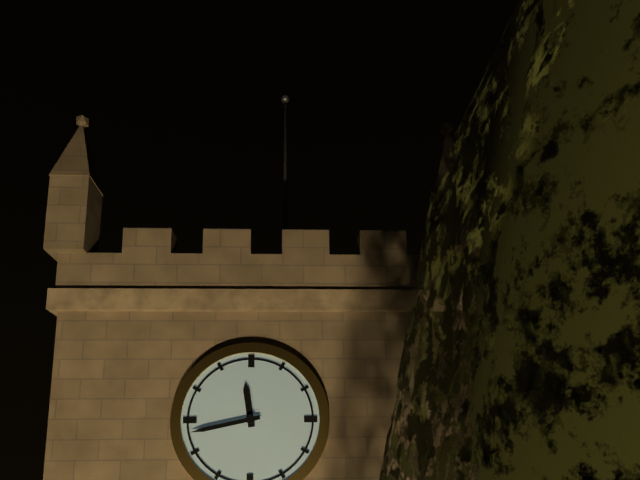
11:43
